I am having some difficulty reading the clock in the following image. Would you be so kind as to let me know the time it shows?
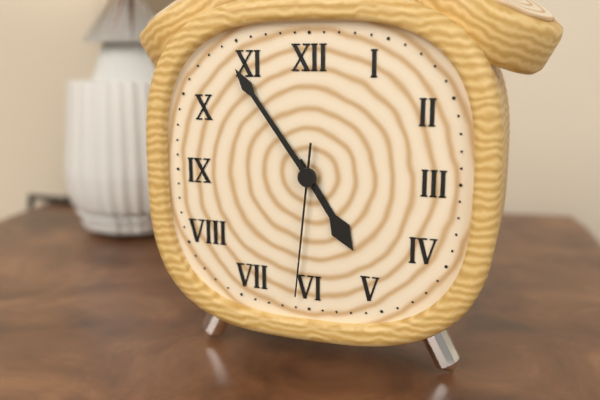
4:54:31
